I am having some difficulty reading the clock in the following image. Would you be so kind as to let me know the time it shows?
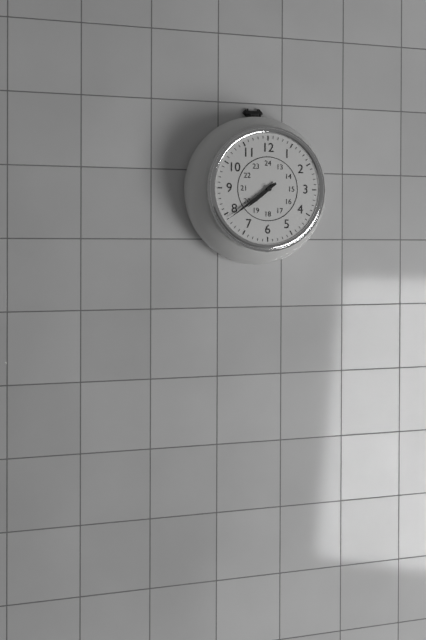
7:39
